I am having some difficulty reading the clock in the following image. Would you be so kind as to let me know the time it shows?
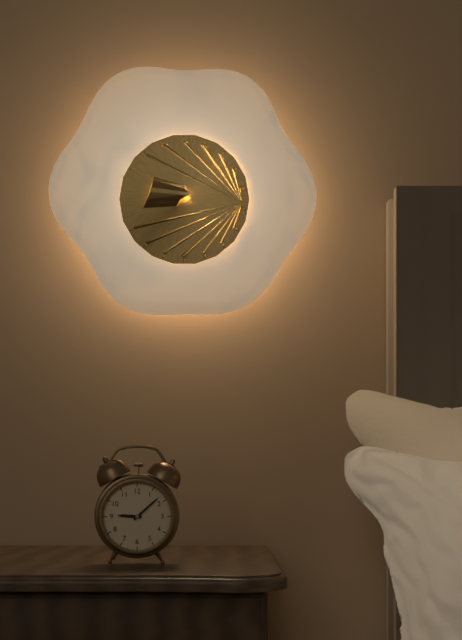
9:08
